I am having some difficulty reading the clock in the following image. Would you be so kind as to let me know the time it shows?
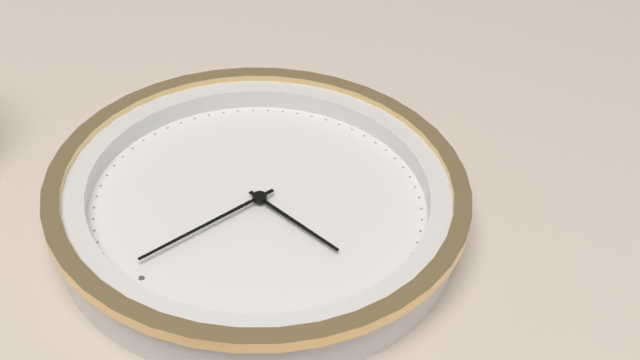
9:01
